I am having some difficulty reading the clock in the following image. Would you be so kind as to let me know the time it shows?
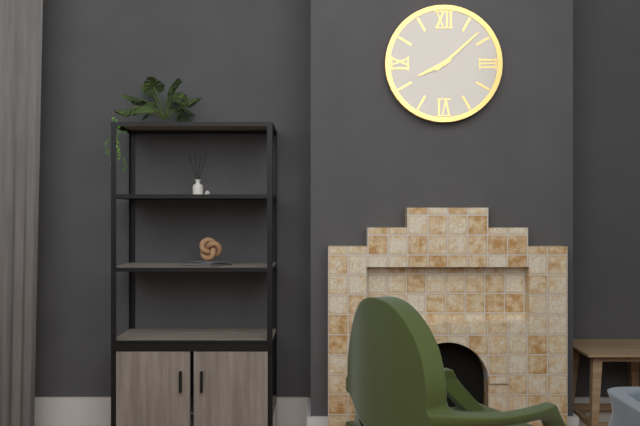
8:08
